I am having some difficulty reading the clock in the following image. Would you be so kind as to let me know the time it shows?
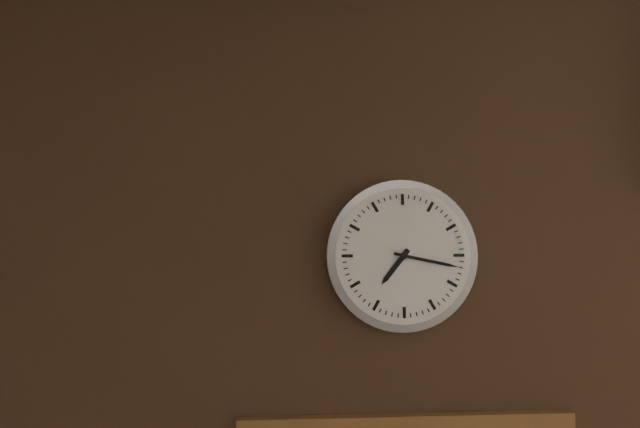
7:17
